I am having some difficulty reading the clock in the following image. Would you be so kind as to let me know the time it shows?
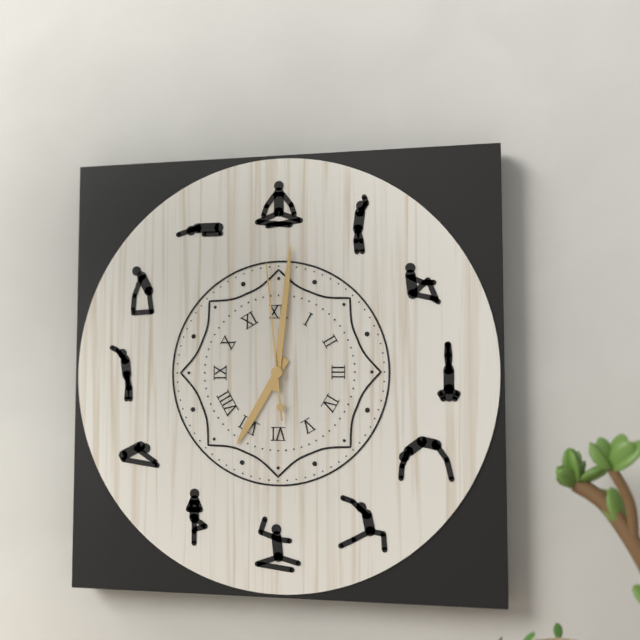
7:01:59
